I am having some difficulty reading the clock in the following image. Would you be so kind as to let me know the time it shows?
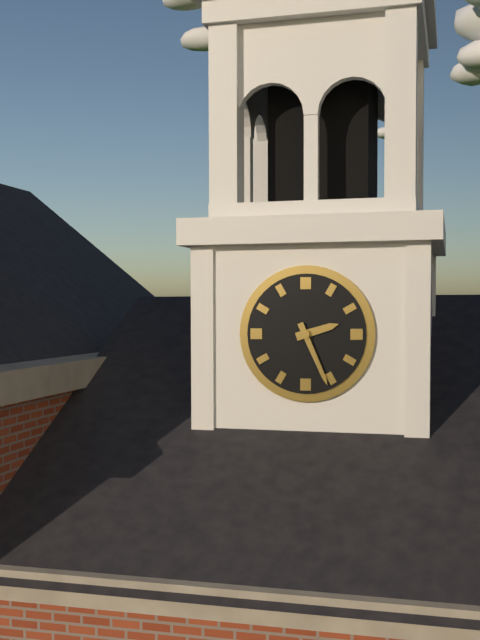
2:26
